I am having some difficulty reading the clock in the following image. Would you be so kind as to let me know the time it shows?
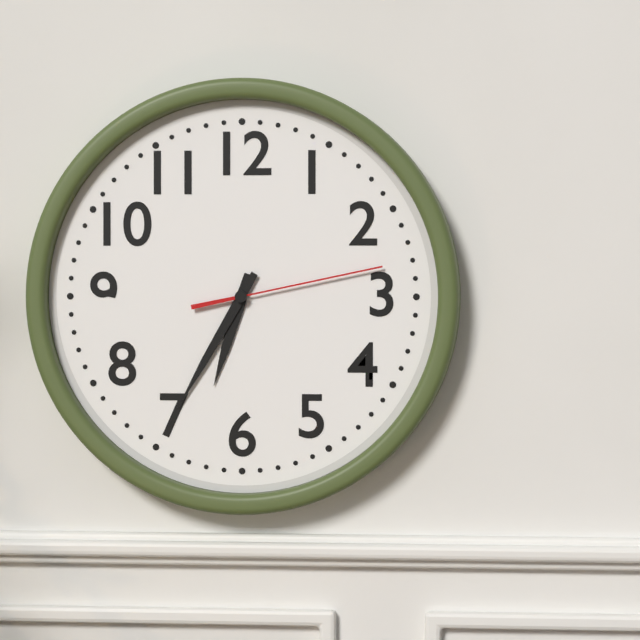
6:35:13
